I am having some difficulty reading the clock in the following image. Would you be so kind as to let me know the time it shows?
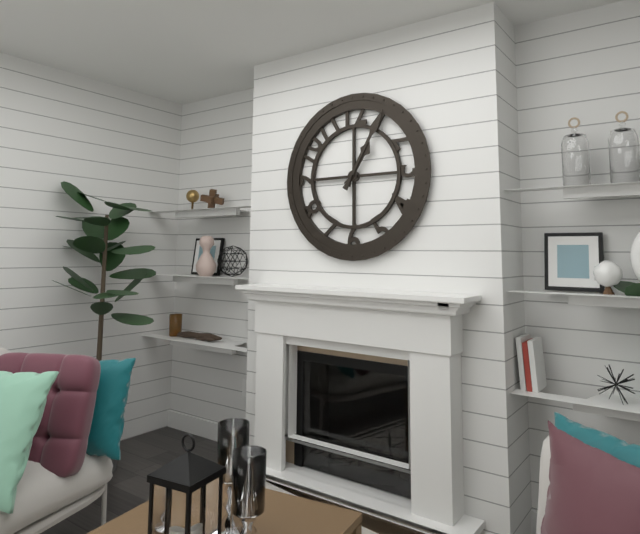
1:05
